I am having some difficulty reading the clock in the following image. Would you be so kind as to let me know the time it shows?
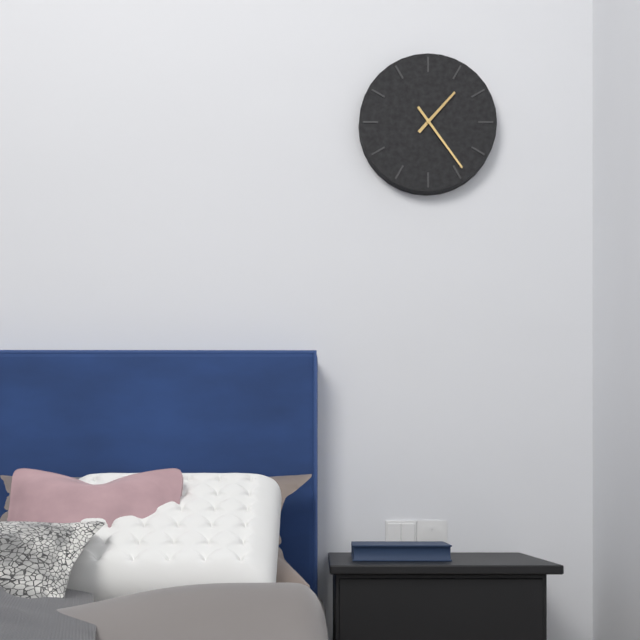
1:24
